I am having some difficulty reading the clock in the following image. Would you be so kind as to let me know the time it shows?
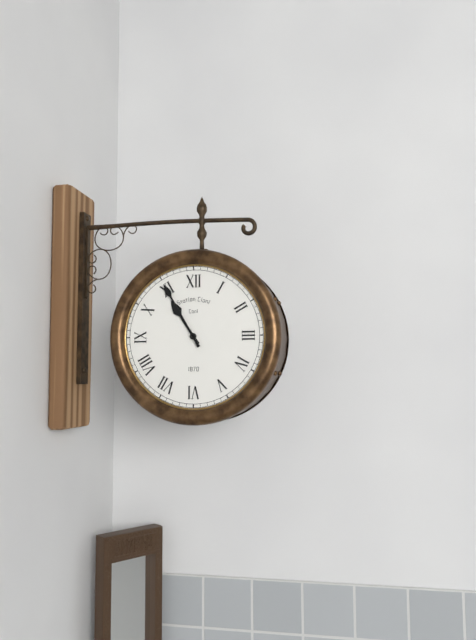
10:55
